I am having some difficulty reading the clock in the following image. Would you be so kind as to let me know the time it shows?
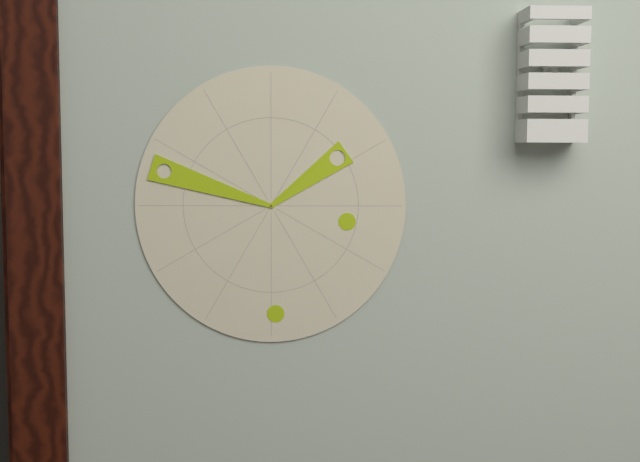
1:48
